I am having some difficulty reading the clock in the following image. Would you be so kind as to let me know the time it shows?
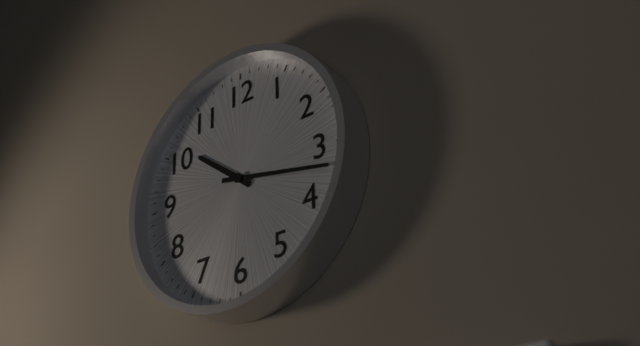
10:17
